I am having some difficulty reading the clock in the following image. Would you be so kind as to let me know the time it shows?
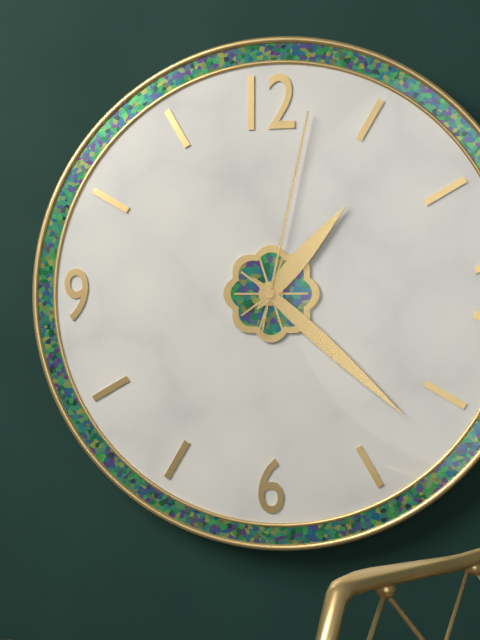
1:22:02
